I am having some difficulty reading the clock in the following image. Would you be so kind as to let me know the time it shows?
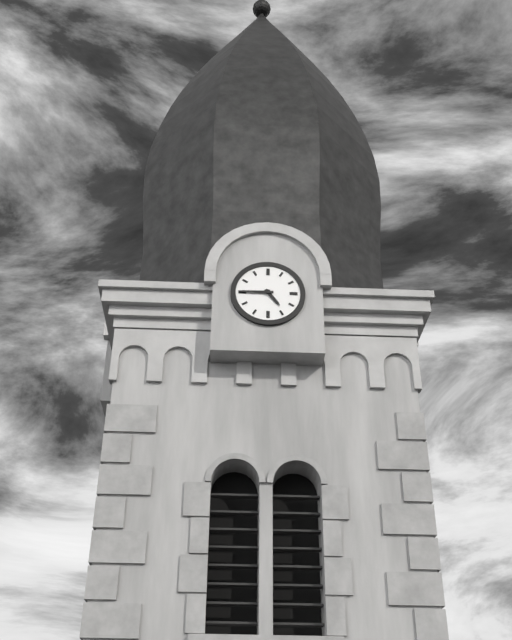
4:45
